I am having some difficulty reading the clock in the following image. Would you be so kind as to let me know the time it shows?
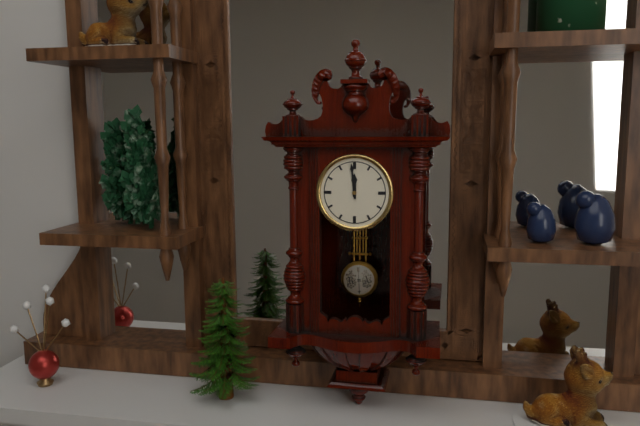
11:59
